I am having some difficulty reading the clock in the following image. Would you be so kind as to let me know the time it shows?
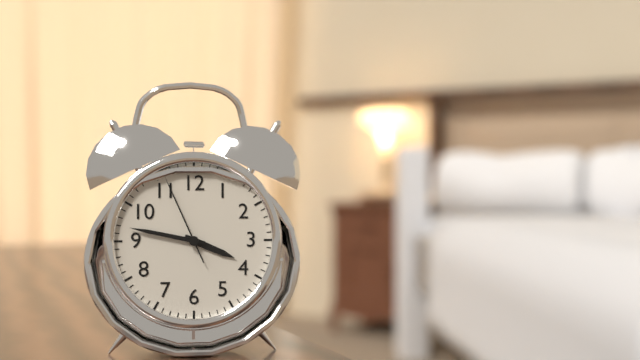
3:47:56
